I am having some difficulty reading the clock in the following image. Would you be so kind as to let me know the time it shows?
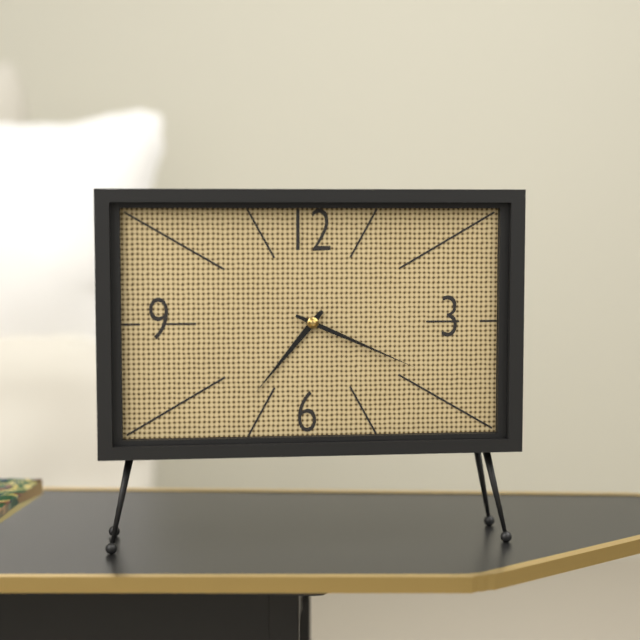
7:19
